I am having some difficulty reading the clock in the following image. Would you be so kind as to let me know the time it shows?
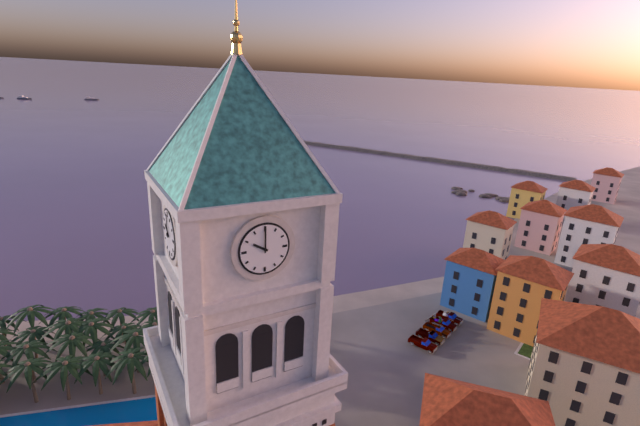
10:00
